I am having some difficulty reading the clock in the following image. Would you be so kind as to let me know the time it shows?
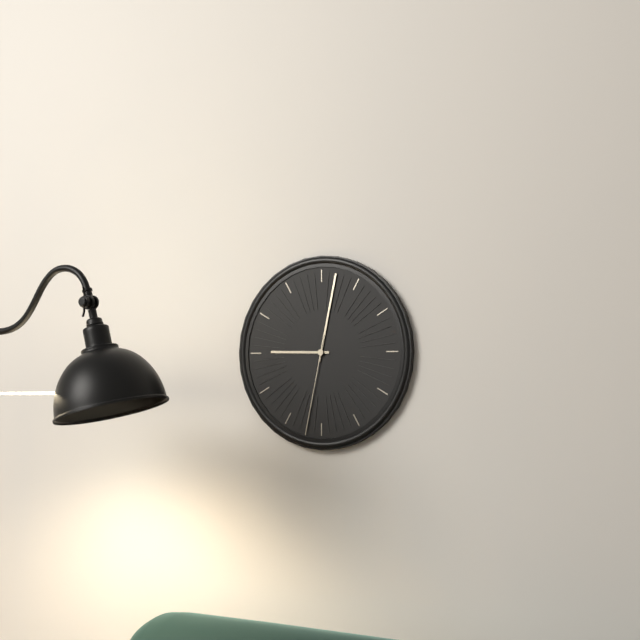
9:02:32
